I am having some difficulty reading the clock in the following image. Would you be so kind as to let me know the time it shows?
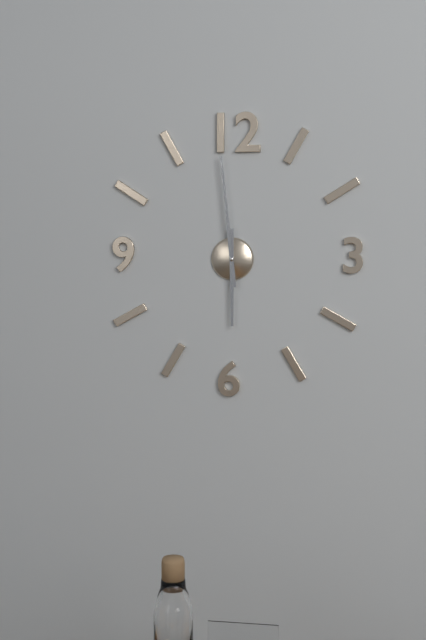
5:59
